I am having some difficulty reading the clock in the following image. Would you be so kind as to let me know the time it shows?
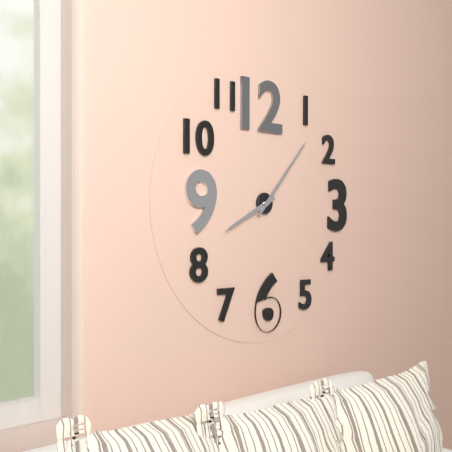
8:07
